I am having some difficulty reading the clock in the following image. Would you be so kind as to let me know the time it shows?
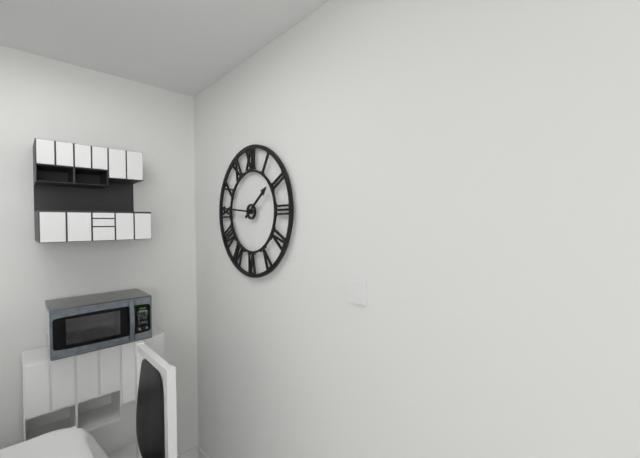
1:46
